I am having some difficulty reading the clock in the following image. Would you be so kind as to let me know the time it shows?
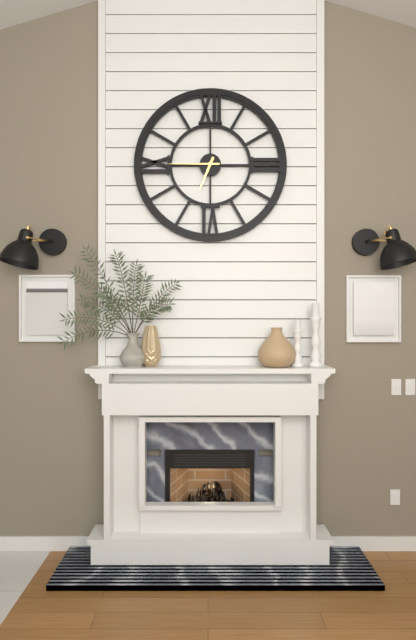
6:45
